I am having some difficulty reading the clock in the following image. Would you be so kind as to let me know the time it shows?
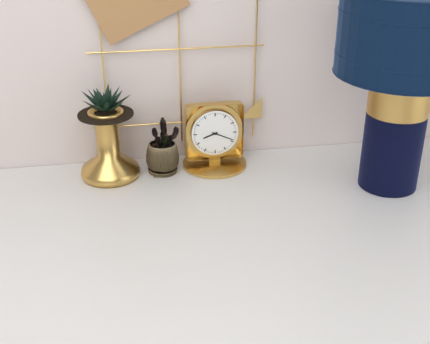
8:19
